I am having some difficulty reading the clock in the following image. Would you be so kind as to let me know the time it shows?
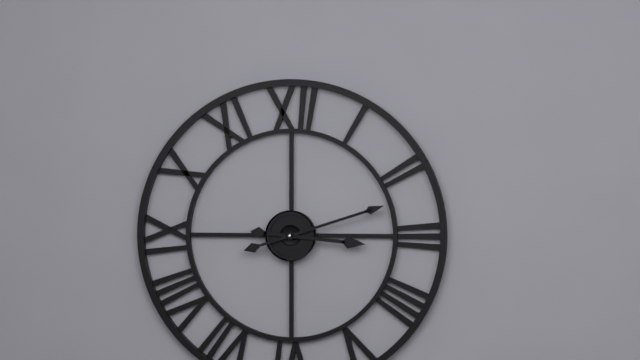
3:12
